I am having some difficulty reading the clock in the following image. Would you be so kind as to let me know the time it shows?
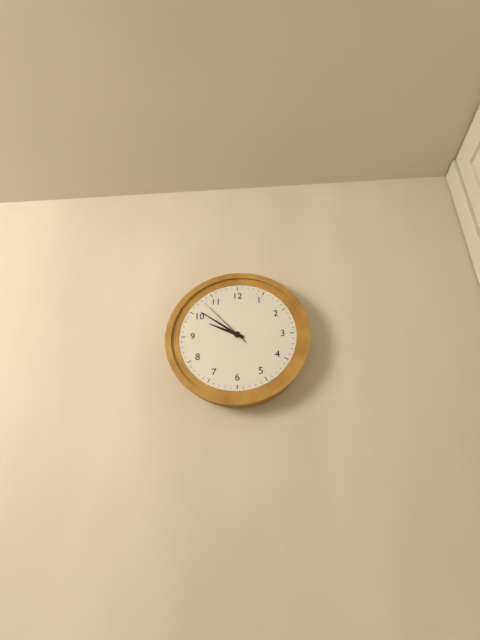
9:51:53
